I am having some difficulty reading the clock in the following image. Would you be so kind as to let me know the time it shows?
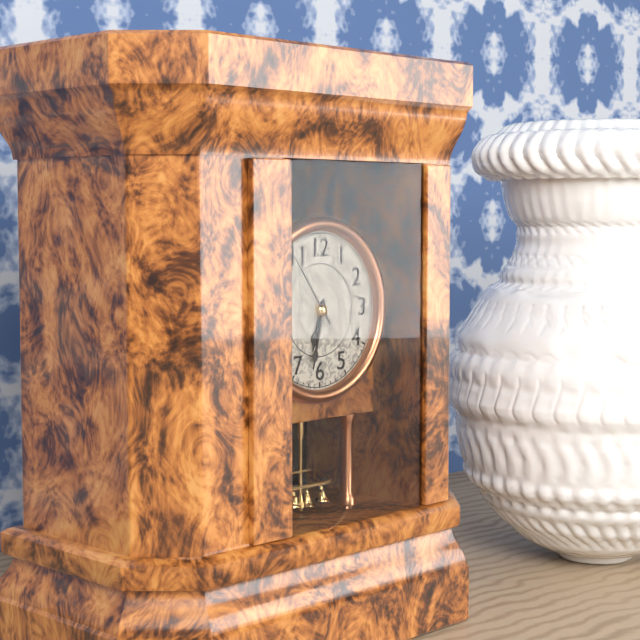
6:32:54
